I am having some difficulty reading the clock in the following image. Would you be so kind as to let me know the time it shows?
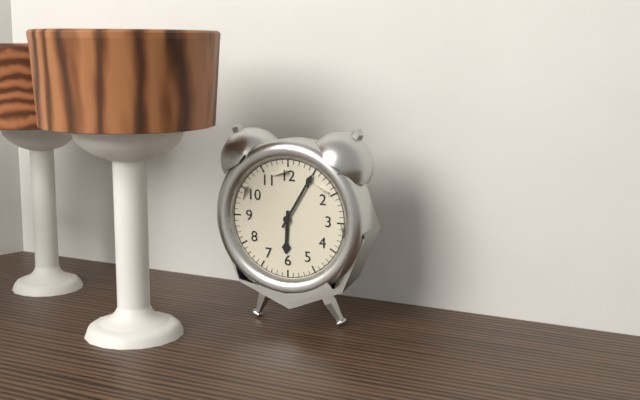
6:05
